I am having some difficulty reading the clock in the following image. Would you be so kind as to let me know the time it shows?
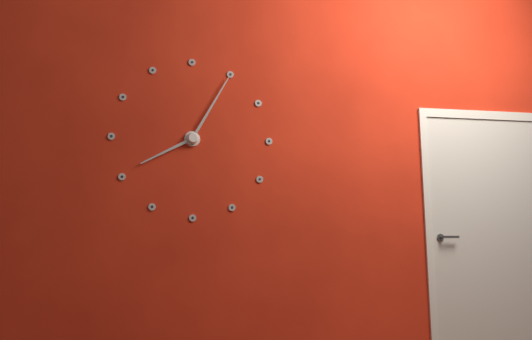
8:05
